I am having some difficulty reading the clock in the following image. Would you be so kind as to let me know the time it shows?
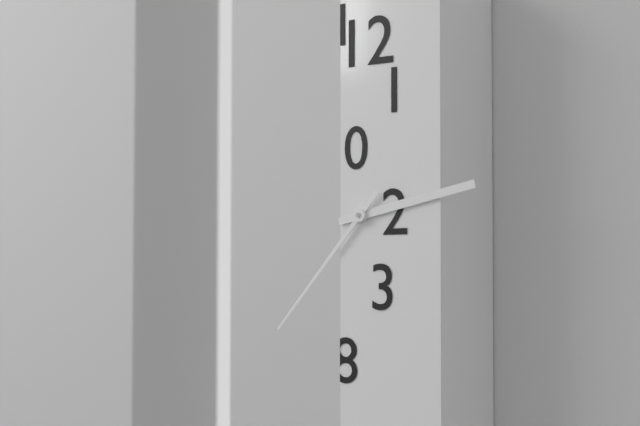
2:37
